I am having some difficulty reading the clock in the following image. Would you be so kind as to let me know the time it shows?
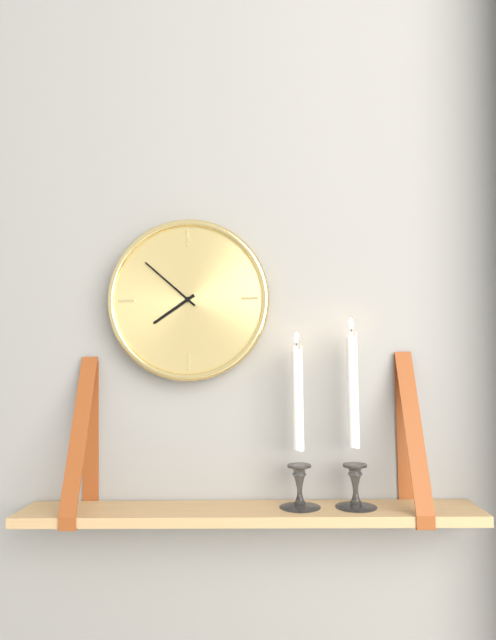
7:52
